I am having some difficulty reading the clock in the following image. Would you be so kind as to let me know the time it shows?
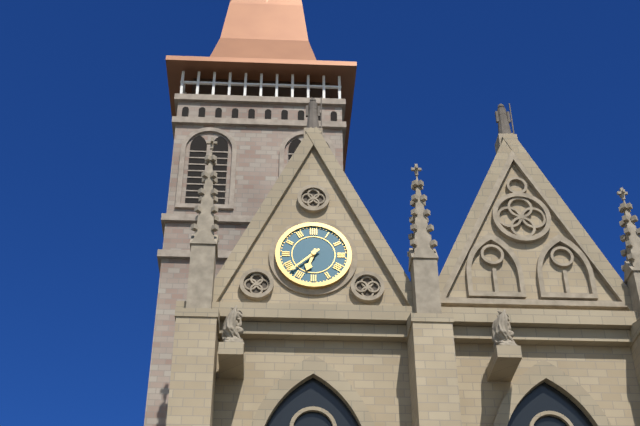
6:38
